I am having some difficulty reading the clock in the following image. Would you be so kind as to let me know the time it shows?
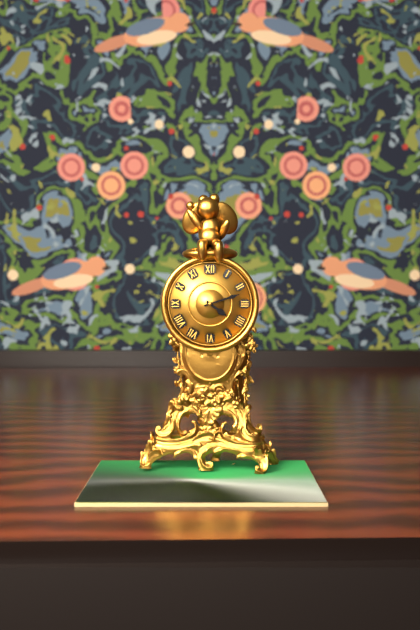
4:12
